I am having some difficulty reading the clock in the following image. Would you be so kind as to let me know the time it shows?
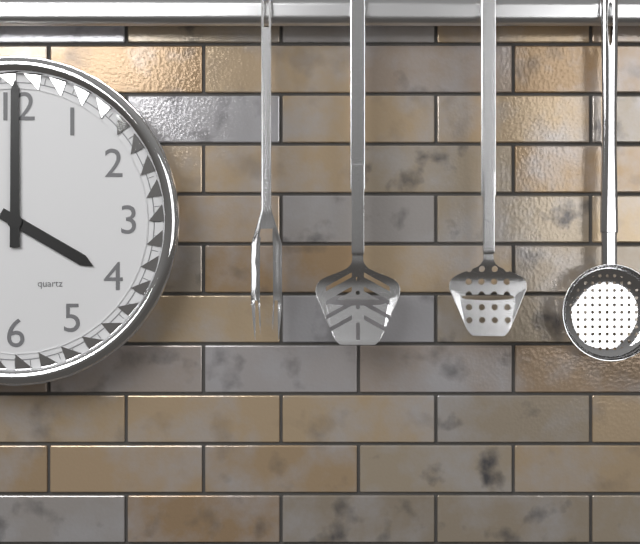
4:00
